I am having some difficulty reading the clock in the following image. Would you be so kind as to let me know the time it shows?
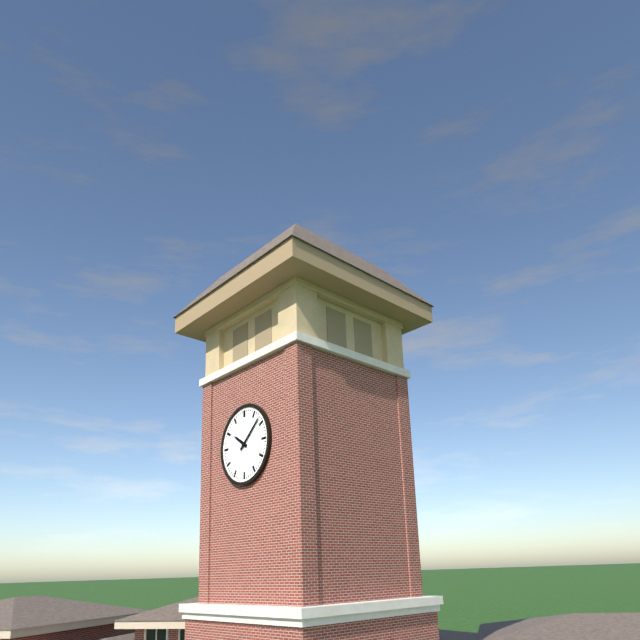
10:08
